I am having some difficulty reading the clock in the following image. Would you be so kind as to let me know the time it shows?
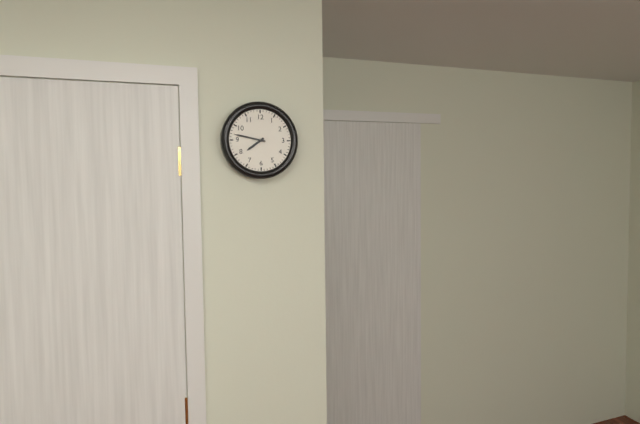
7:47
